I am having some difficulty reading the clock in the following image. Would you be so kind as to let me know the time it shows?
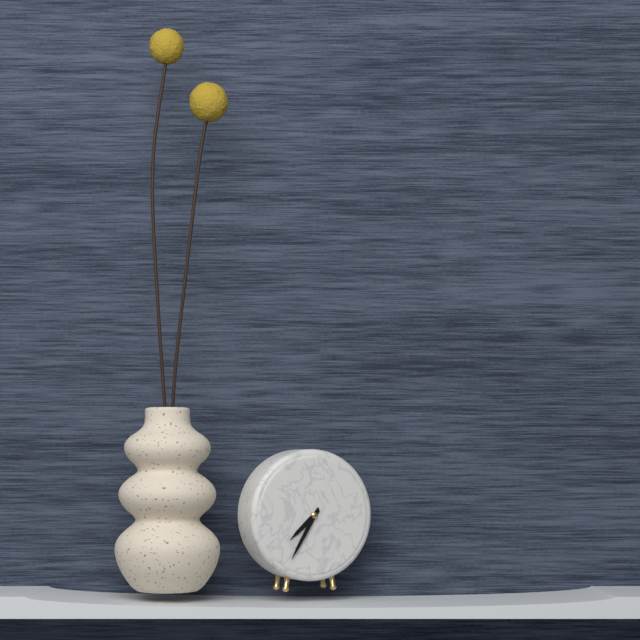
7:35
